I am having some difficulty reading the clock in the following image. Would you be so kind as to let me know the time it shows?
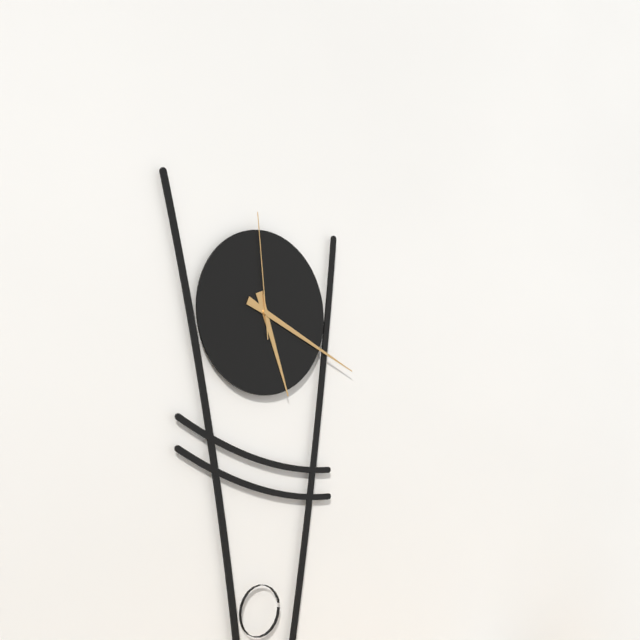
5:19:59
